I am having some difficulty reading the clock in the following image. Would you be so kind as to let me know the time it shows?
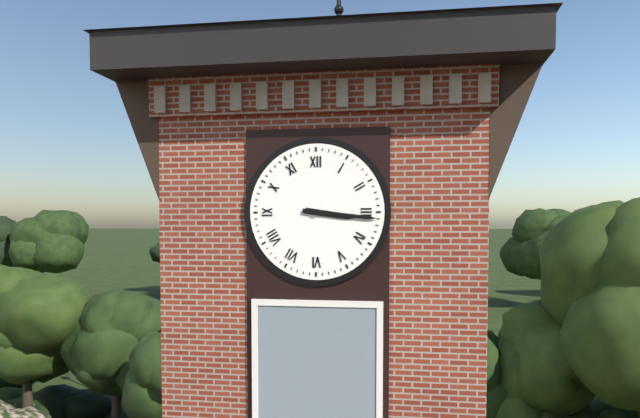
3:16
